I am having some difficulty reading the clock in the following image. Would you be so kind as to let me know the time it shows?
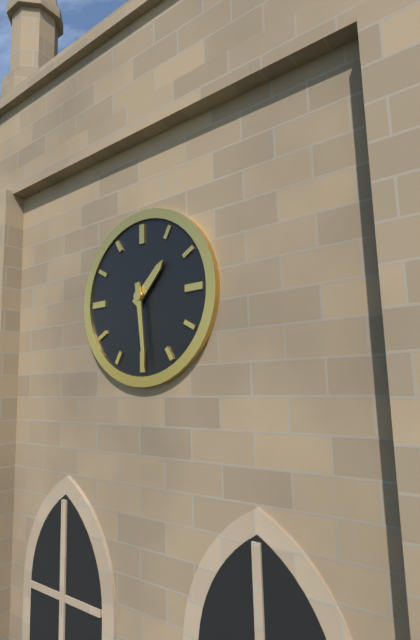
1:29
